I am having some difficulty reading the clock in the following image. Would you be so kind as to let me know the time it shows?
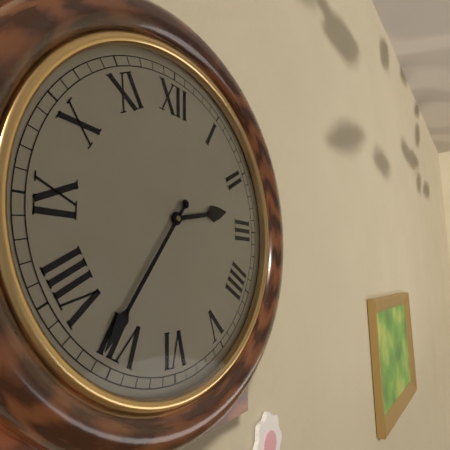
2:36
